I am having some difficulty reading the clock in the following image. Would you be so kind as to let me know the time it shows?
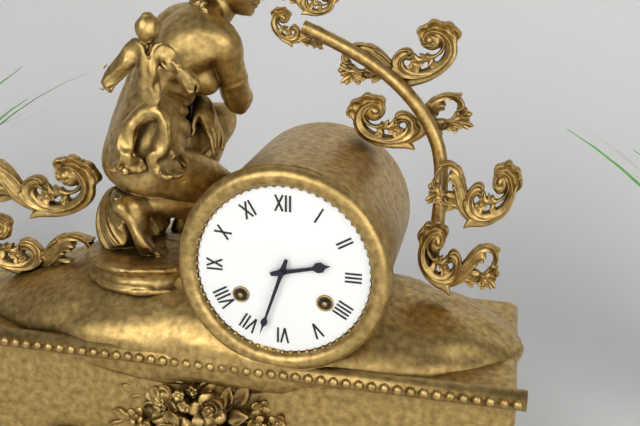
2:33
